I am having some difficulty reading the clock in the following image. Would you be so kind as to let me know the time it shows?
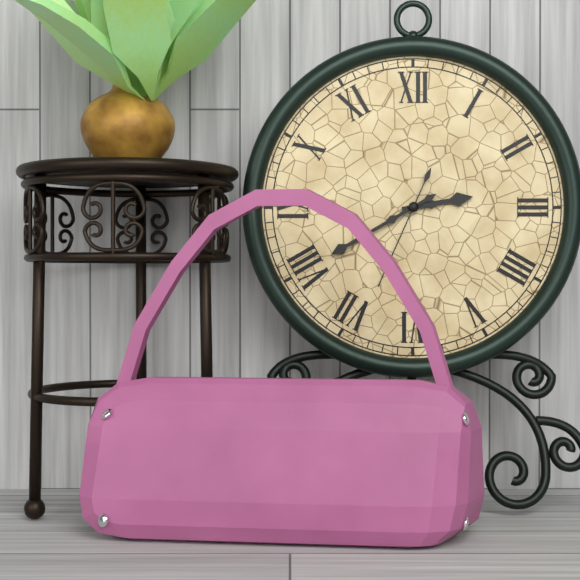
2:40:34
